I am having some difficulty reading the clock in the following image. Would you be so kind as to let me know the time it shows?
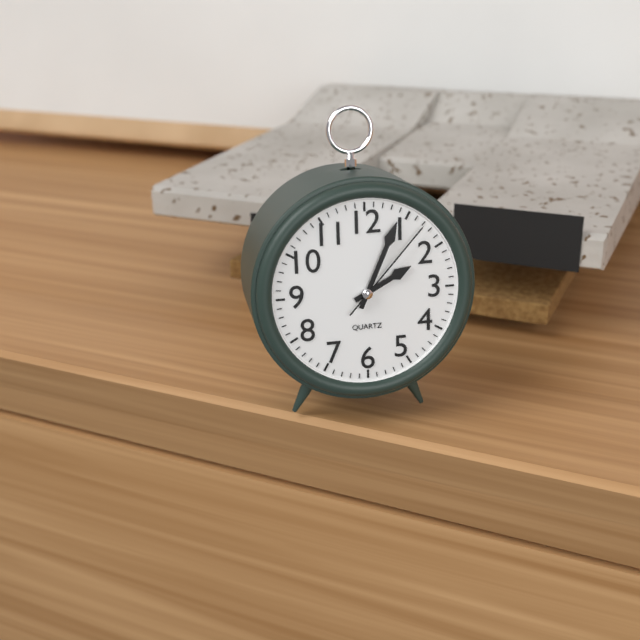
2:04:07
